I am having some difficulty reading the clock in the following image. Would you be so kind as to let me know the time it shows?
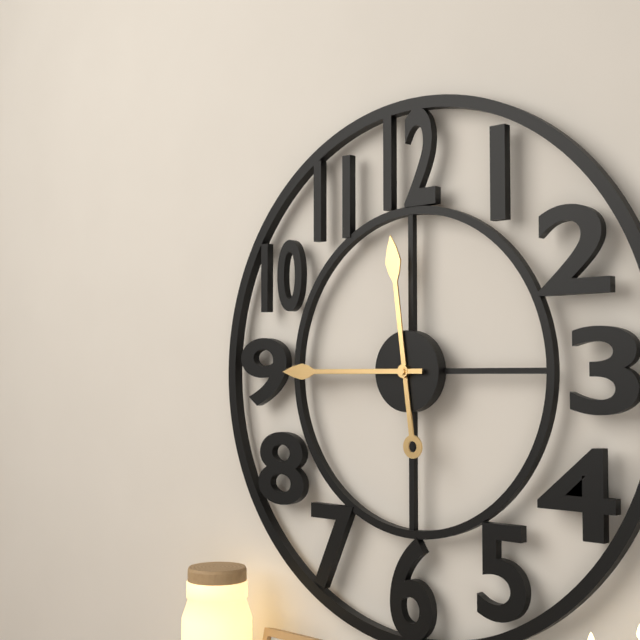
11:45
